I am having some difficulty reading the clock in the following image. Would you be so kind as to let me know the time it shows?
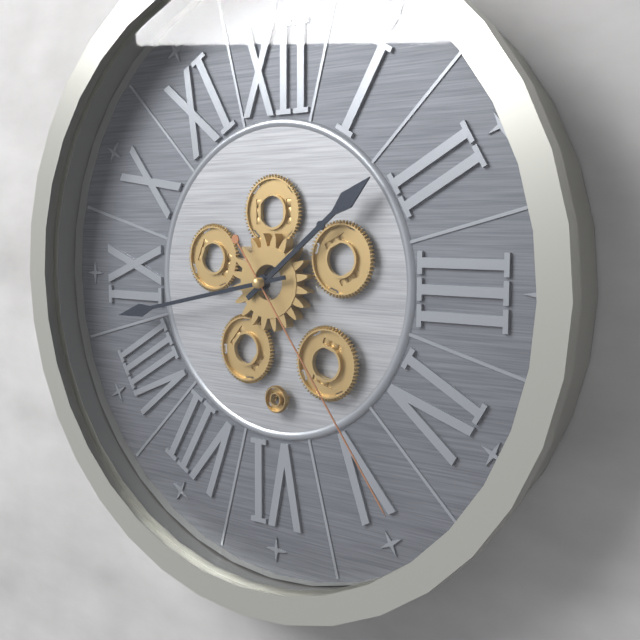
1:43:24
